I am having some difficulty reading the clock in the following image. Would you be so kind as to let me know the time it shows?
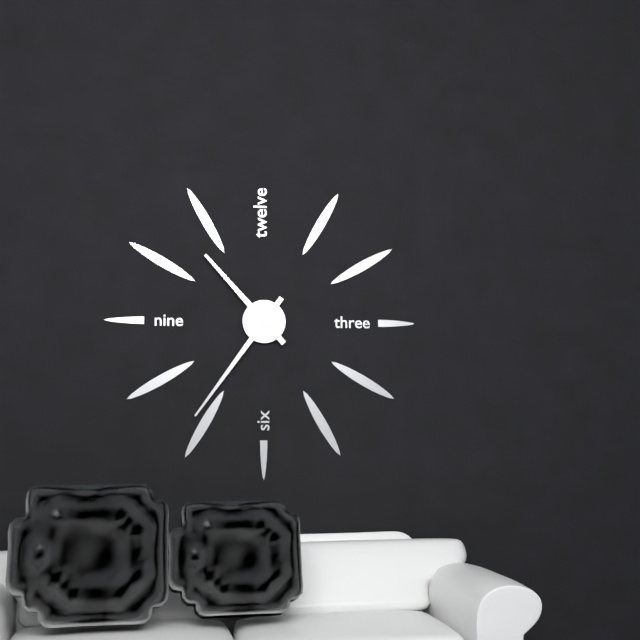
10:36
